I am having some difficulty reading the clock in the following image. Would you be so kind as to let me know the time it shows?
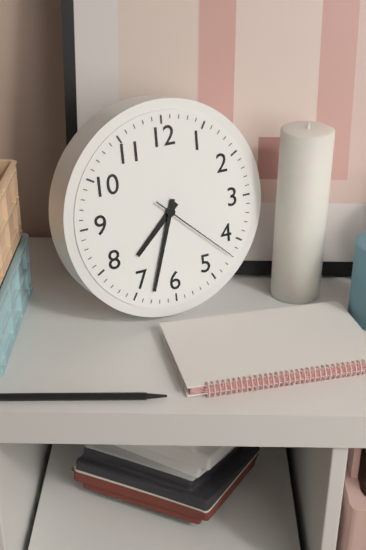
7:33:22
